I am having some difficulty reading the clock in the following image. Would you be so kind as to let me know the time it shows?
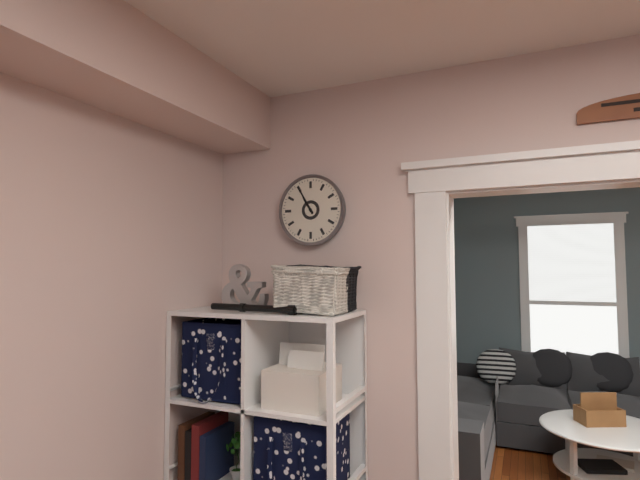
10:55
